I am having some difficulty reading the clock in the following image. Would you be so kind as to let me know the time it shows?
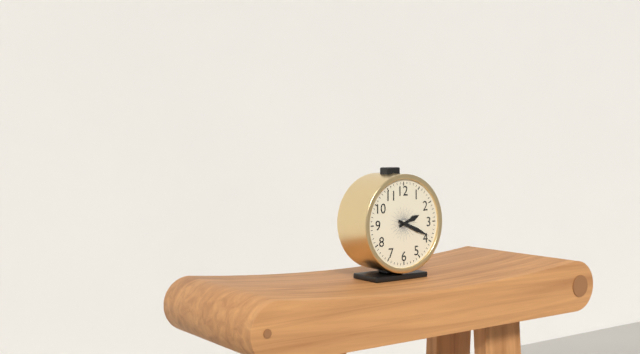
2:19
